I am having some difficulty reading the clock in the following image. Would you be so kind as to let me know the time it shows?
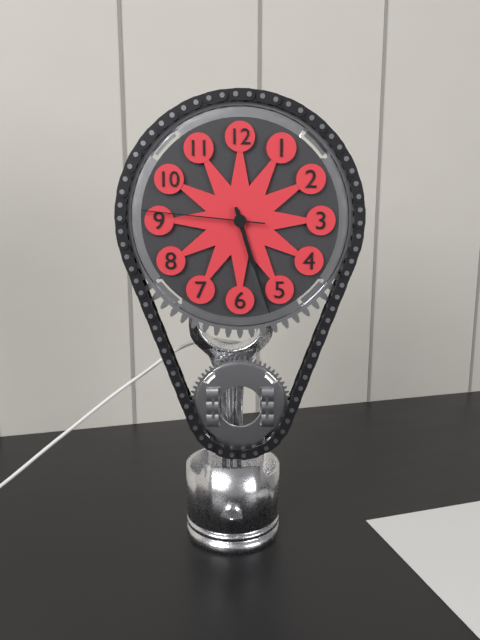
5:27:46
